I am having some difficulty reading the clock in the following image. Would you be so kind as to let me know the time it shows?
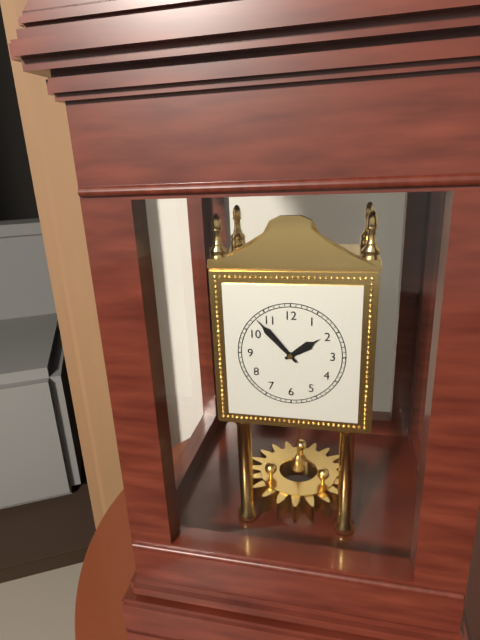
1:53
